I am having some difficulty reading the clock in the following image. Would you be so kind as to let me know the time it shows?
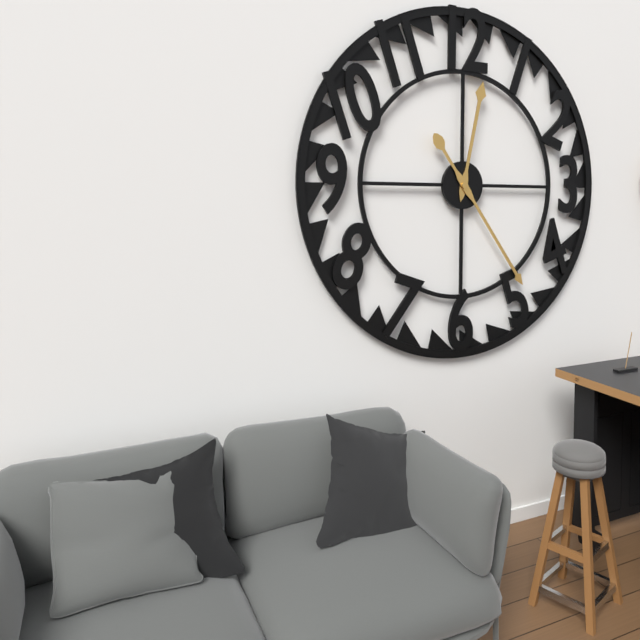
12:24
